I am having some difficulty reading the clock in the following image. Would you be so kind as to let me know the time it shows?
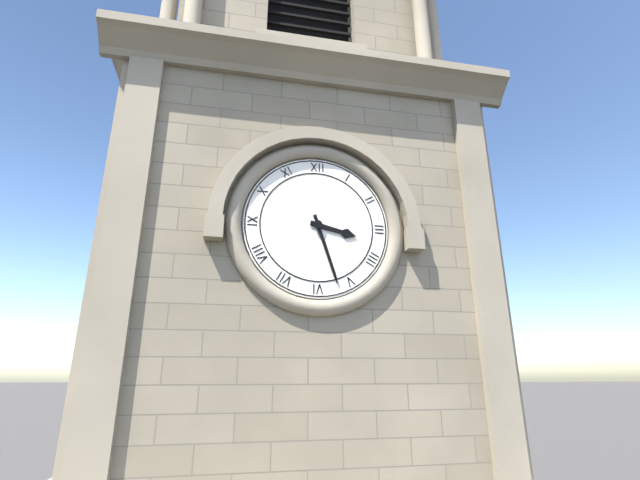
3:27
